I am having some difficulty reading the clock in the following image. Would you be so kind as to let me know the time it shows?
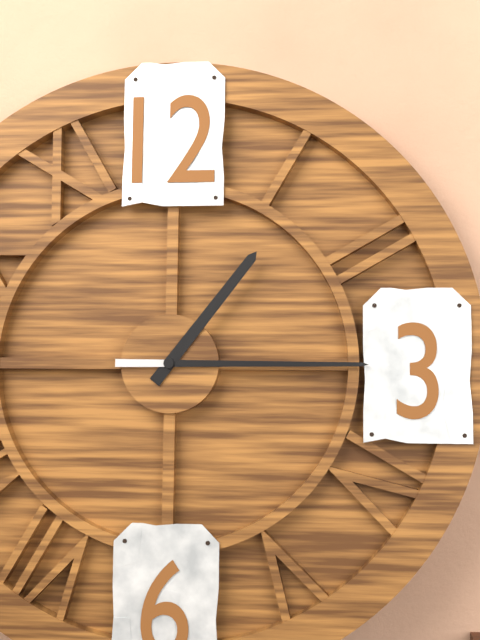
1:15
